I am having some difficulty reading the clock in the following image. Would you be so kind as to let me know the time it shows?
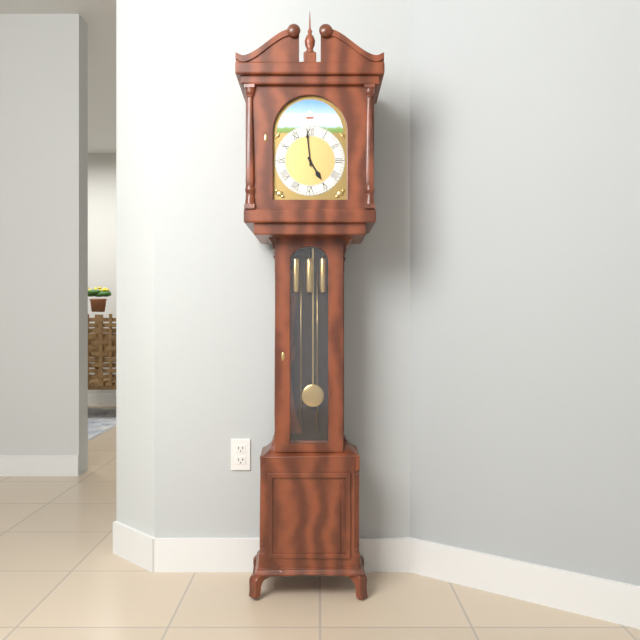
4:59
